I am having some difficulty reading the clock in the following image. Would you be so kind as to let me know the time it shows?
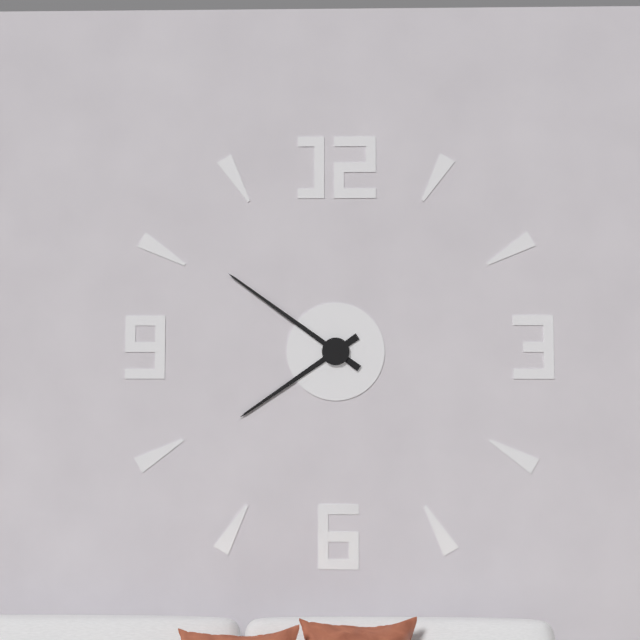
7:51
